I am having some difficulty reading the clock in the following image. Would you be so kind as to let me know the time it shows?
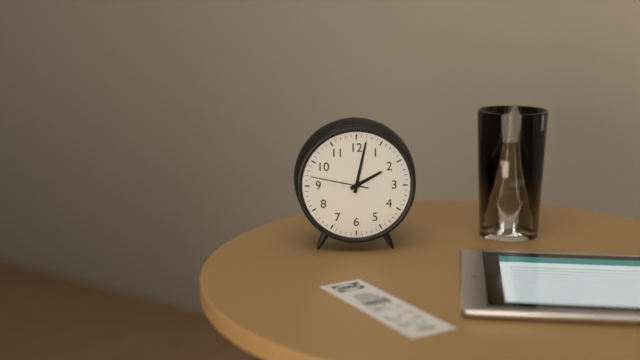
2:02:47
